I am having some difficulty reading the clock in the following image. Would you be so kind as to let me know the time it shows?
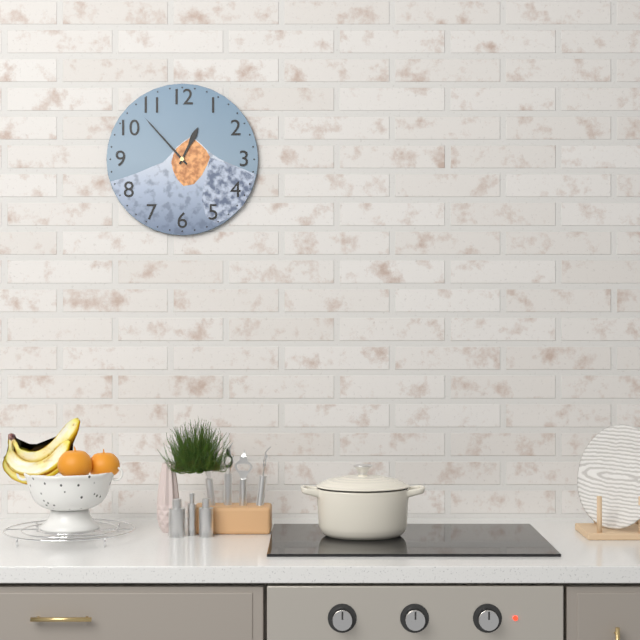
12:53
